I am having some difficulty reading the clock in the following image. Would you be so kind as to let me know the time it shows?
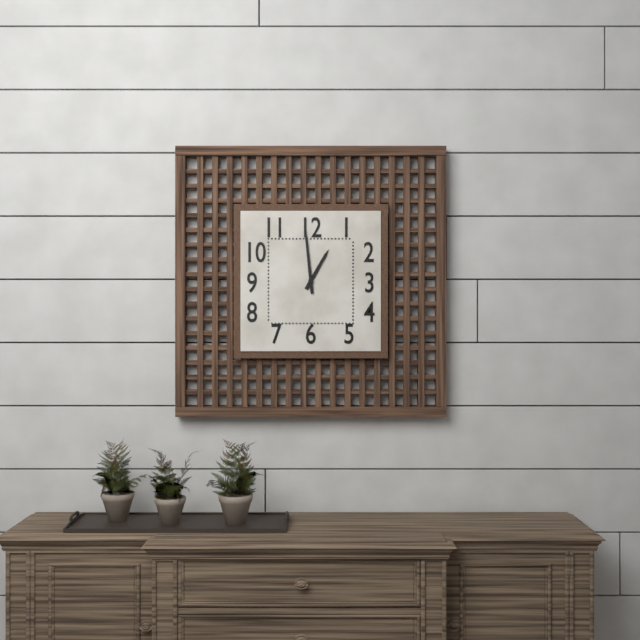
12:59
